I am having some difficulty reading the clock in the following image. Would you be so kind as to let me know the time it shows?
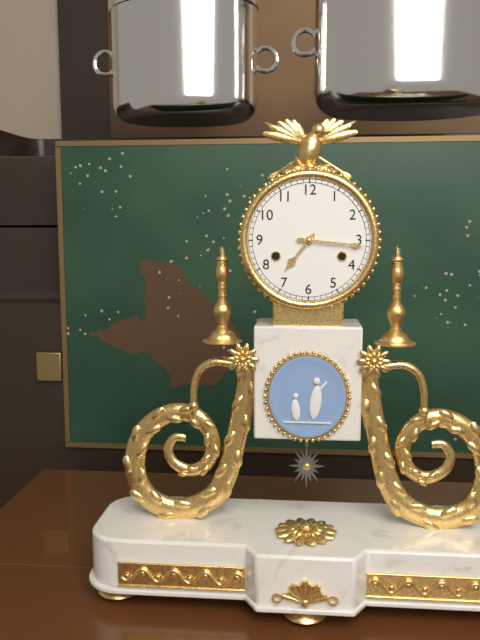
7:16
